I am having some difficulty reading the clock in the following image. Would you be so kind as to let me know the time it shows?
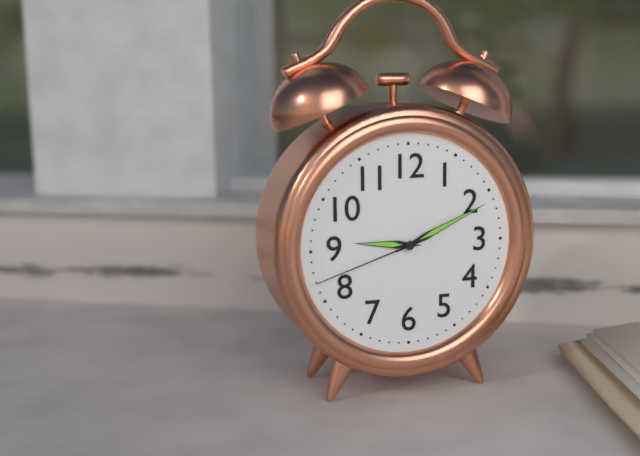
9:11:42
